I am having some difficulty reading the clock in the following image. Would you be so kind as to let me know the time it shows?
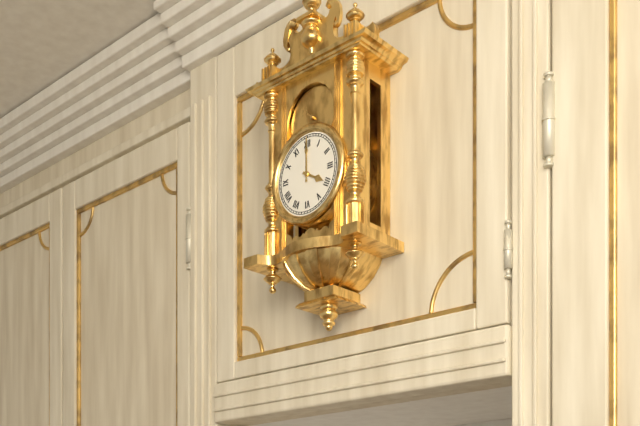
4:00
